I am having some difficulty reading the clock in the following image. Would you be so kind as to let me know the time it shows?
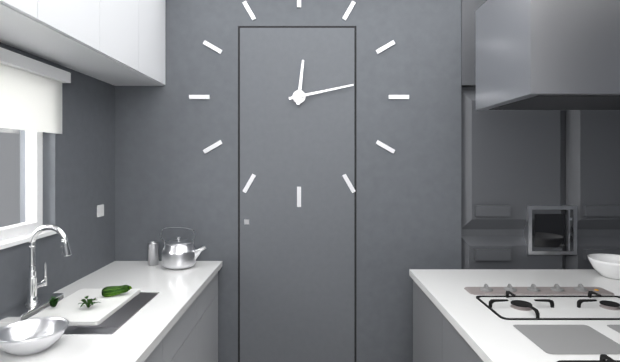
12:13
